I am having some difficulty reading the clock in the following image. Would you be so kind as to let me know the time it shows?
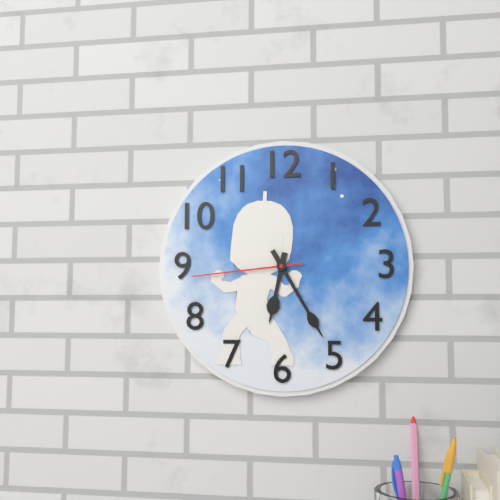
6:25:44
